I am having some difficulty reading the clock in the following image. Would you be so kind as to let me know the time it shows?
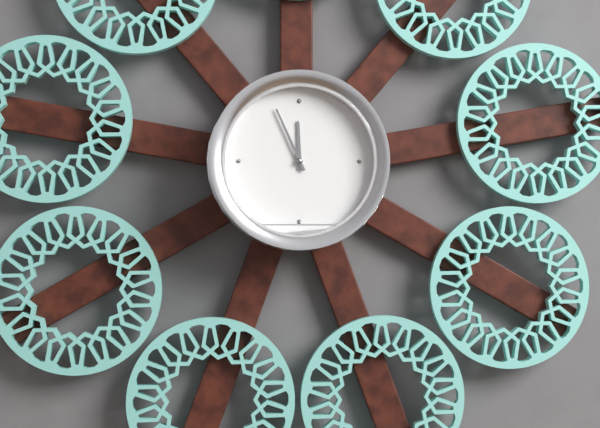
11:56
